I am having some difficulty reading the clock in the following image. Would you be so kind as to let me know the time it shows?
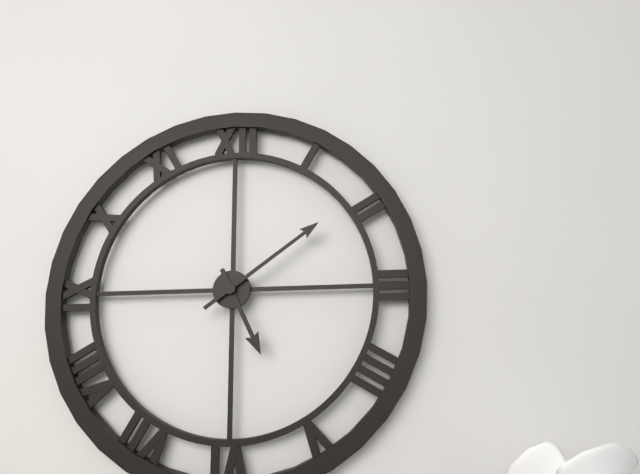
5:09
